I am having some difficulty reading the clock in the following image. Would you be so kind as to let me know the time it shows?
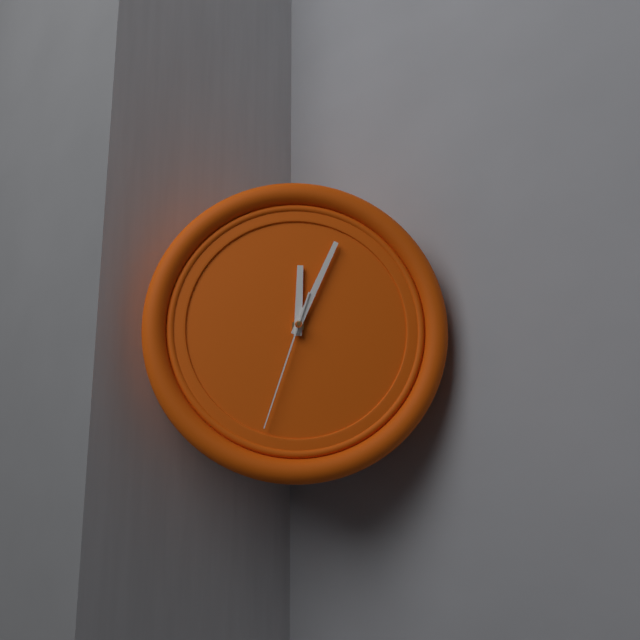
12:04:33
